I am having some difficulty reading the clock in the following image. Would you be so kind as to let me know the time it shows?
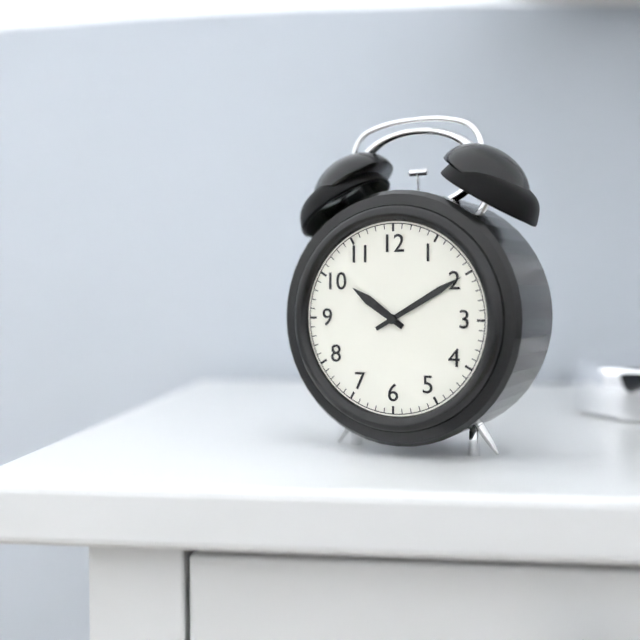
10:10
